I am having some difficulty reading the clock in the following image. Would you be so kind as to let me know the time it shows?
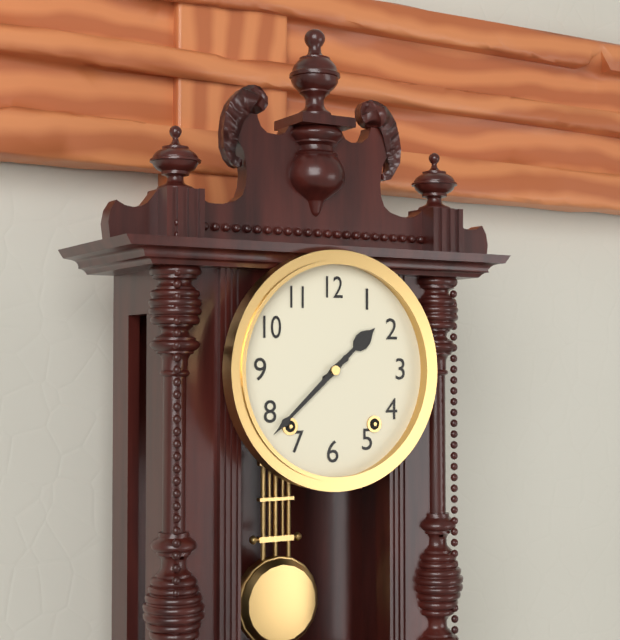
1:38
